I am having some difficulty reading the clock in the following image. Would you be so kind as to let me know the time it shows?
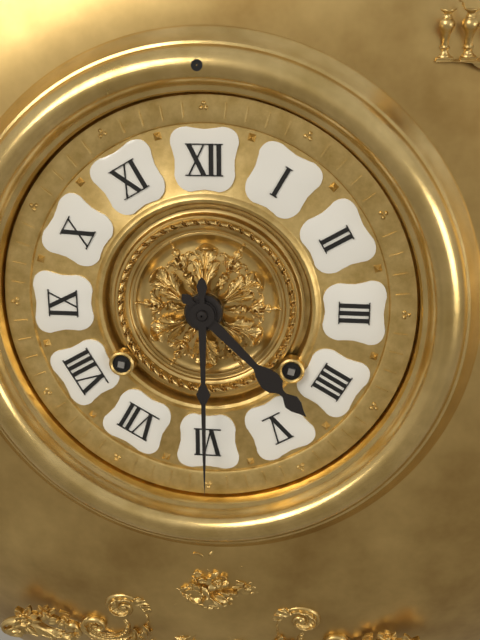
4:30
